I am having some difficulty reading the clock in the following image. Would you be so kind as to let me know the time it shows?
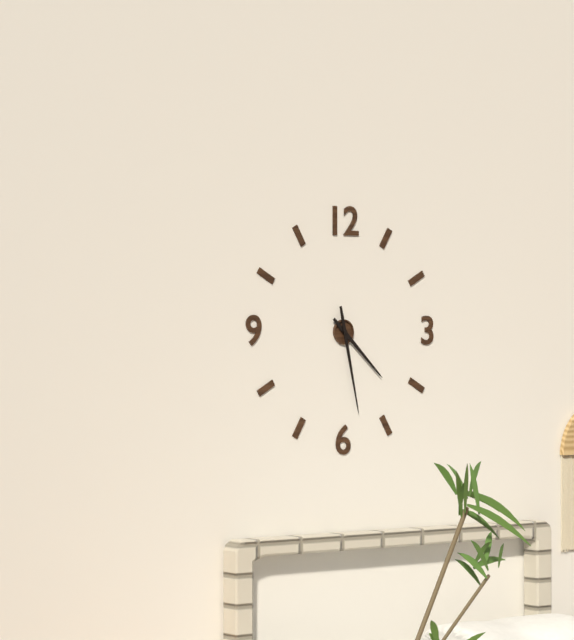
4:28
